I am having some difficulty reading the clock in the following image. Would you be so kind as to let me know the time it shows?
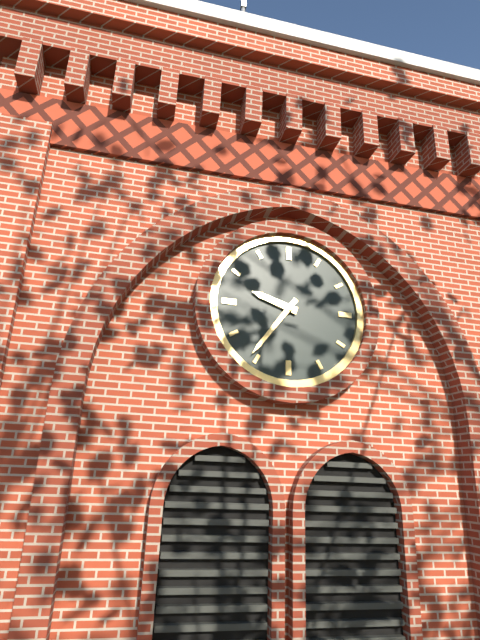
9:36
